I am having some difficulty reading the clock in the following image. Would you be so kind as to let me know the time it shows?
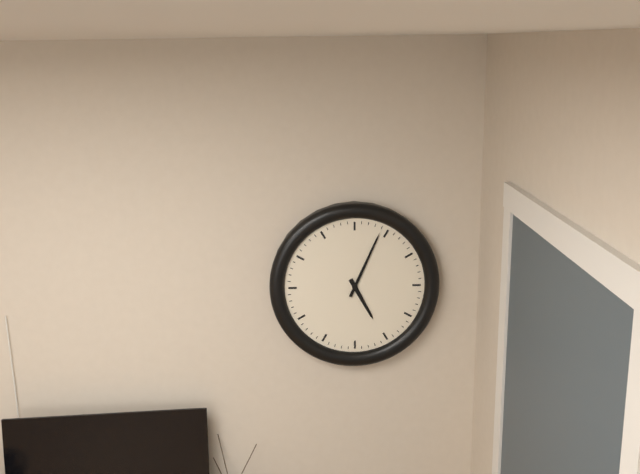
5:04
